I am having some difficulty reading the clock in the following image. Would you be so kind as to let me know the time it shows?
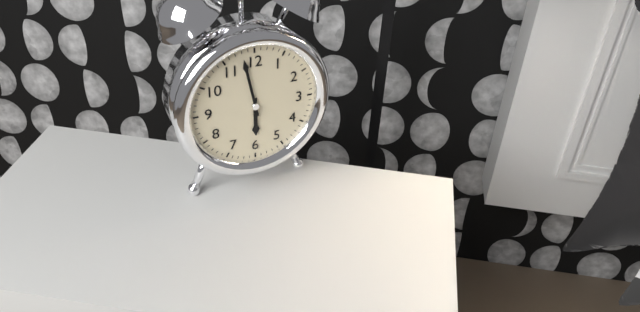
5:58
